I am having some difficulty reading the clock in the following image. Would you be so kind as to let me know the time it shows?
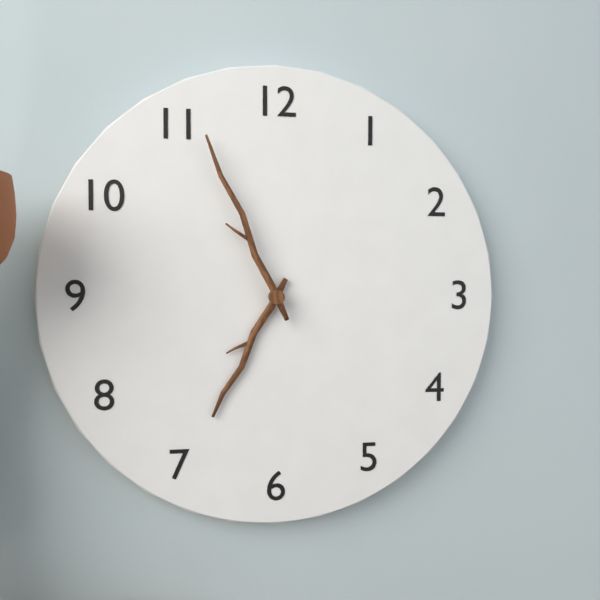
6:56
